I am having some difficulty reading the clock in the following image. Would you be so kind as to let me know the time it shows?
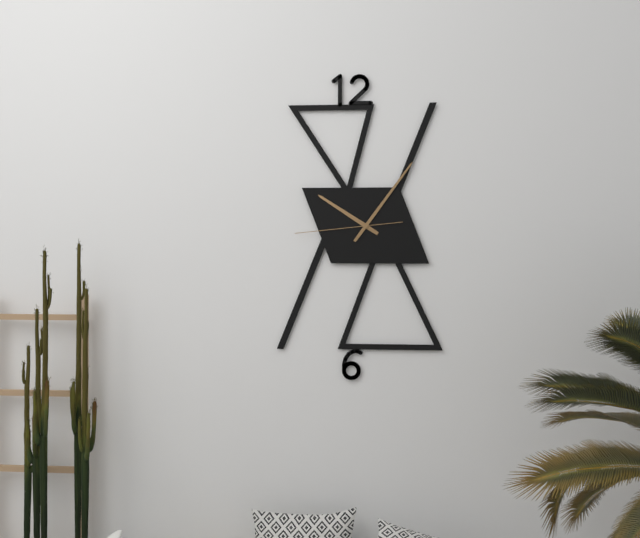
10:06:44
